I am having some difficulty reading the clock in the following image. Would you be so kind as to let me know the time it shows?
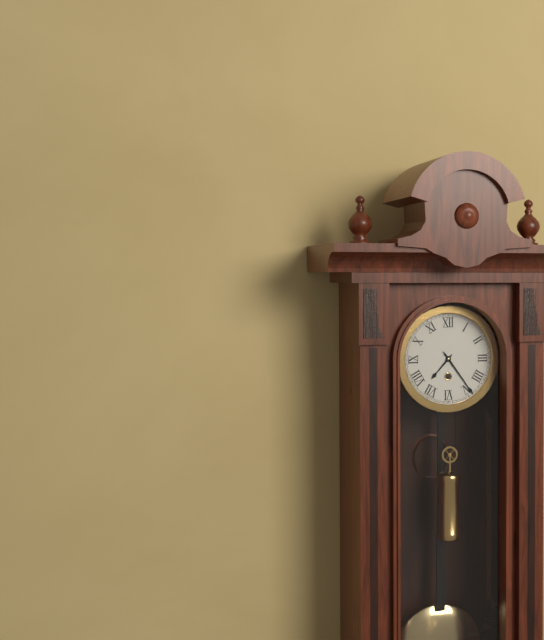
7:24
